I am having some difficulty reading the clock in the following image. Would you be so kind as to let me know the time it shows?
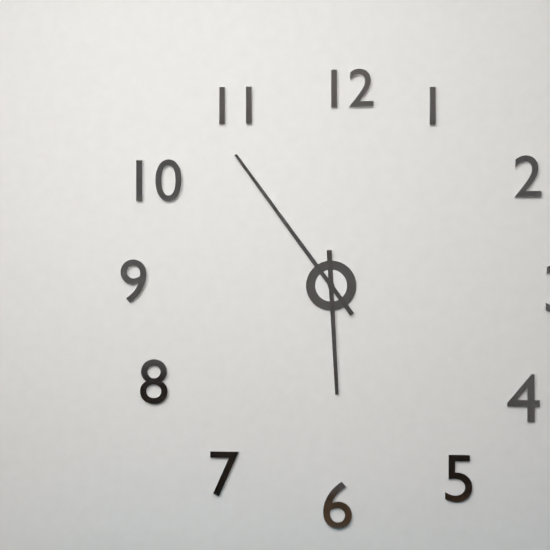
5:54
